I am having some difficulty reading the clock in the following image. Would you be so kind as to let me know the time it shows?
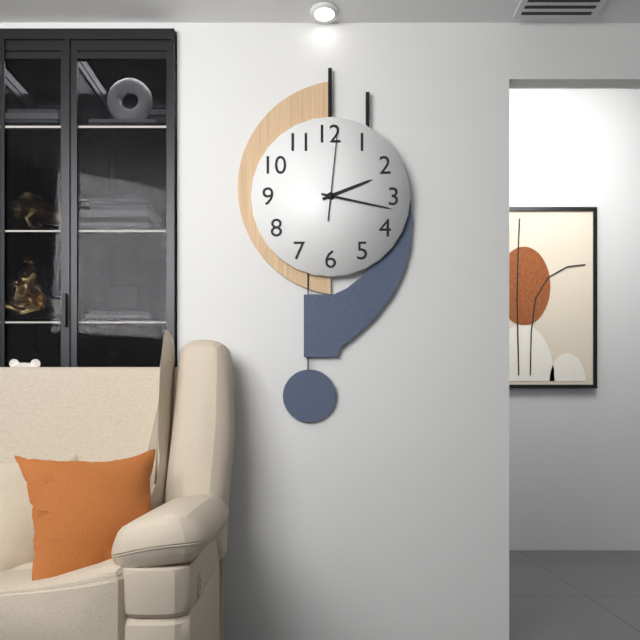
2:17:01
